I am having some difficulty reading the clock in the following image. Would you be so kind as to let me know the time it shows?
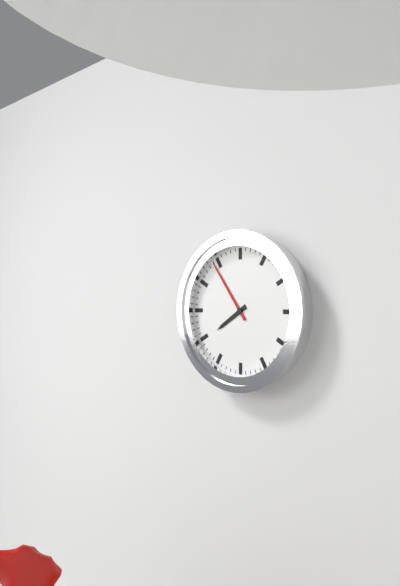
7:54
